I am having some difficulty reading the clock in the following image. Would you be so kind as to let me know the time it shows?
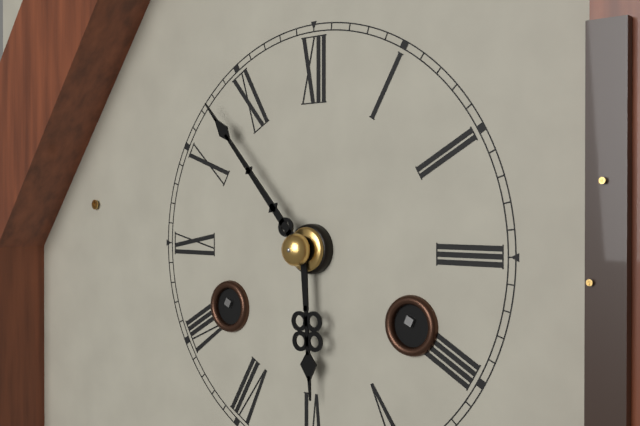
5:53
